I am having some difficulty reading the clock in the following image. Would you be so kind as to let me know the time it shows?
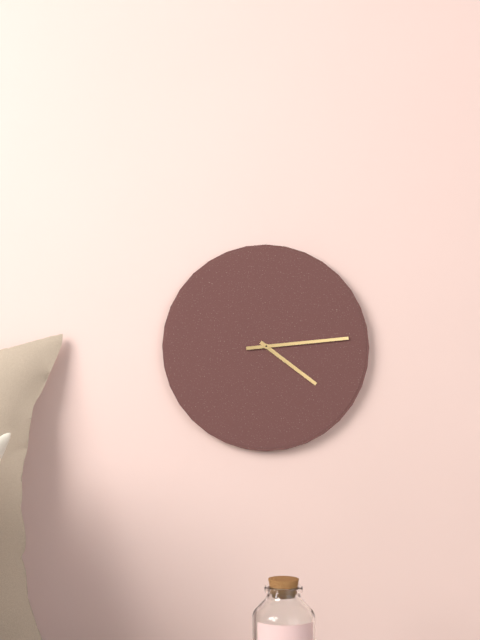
4:14
